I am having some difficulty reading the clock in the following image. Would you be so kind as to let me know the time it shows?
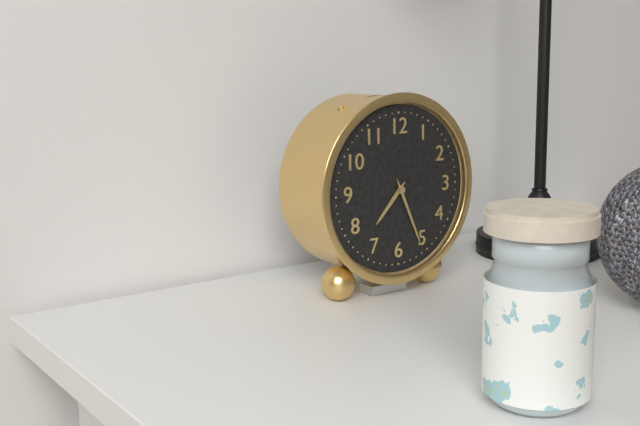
7:26
